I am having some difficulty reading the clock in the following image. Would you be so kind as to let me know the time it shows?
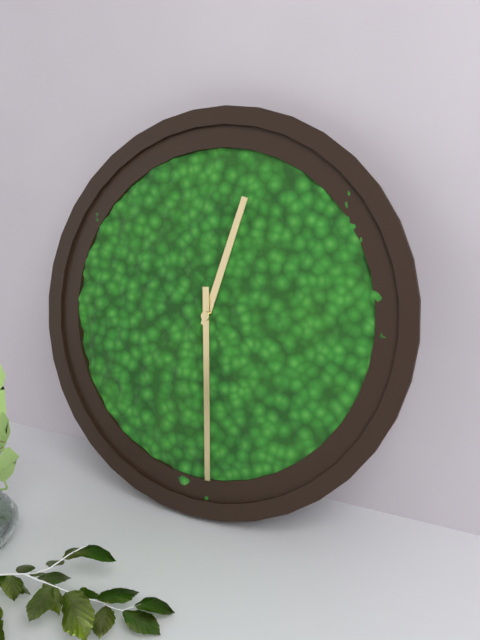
12:29
